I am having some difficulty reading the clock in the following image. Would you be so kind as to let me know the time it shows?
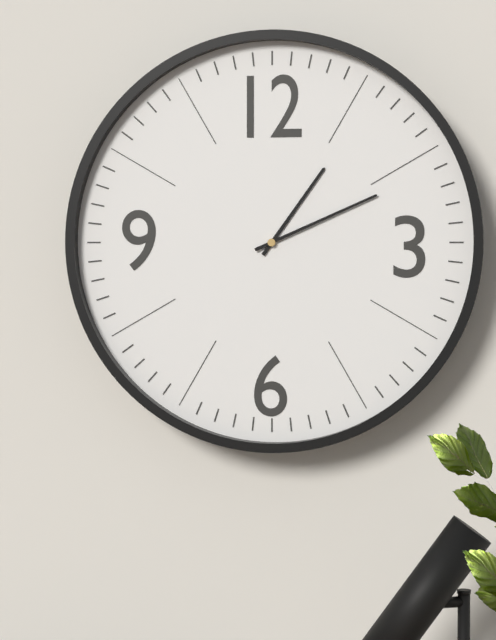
1:11
